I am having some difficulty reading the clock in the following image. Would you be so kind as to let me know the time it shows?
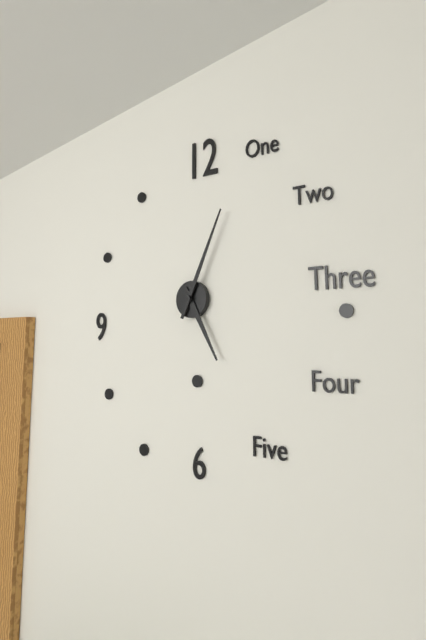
5:04
